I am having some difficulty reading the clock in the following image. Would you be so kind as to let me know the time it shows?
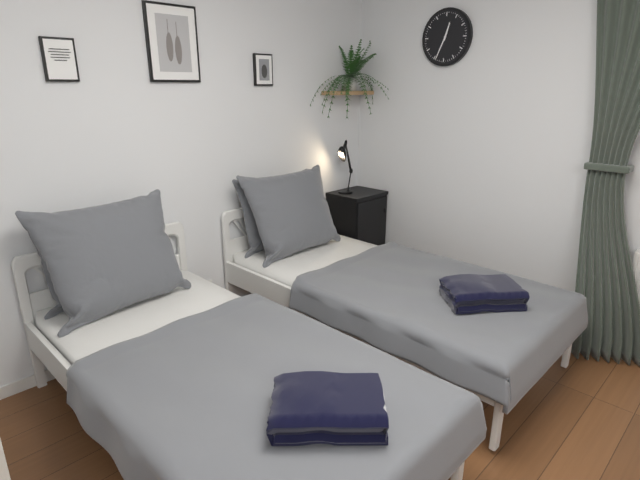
12:34
